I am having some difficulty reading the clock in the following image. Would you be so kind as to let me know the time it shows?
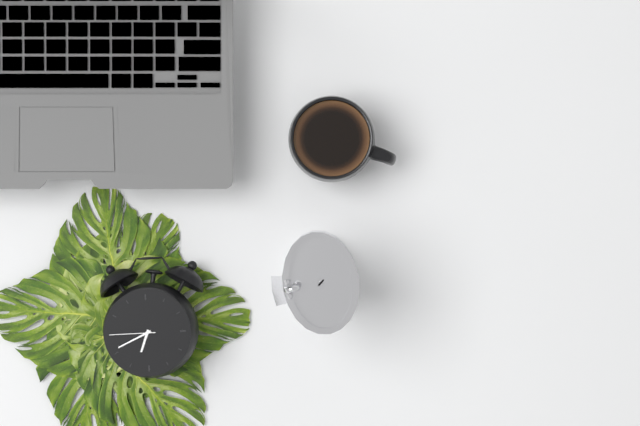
6:41
